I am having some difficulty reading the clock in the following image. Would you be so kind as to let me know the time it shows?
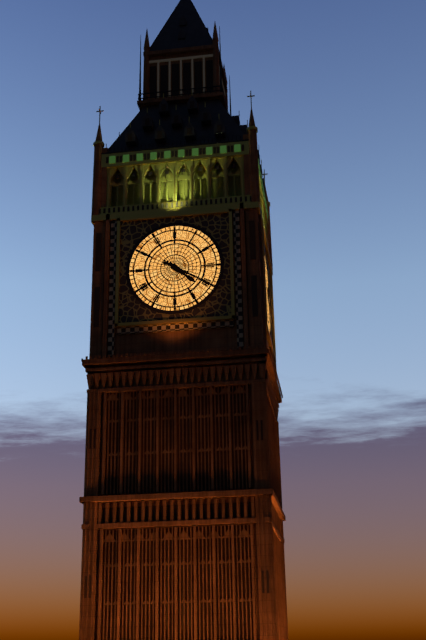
4:20
